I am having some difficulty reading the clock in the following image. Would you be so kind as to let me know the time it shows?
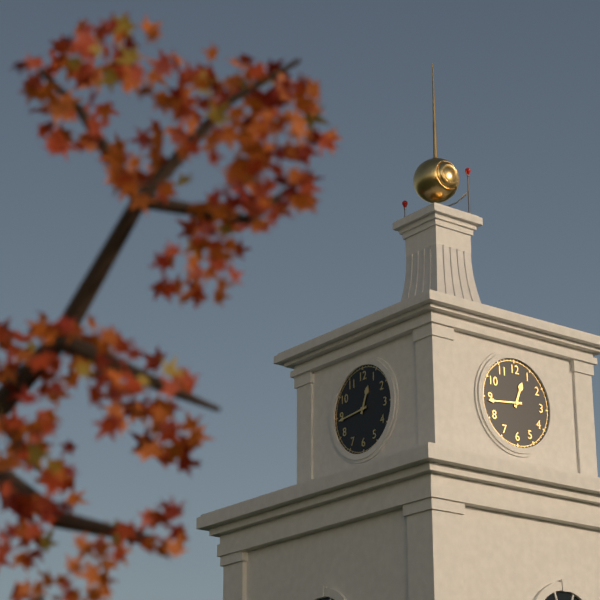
12:44
